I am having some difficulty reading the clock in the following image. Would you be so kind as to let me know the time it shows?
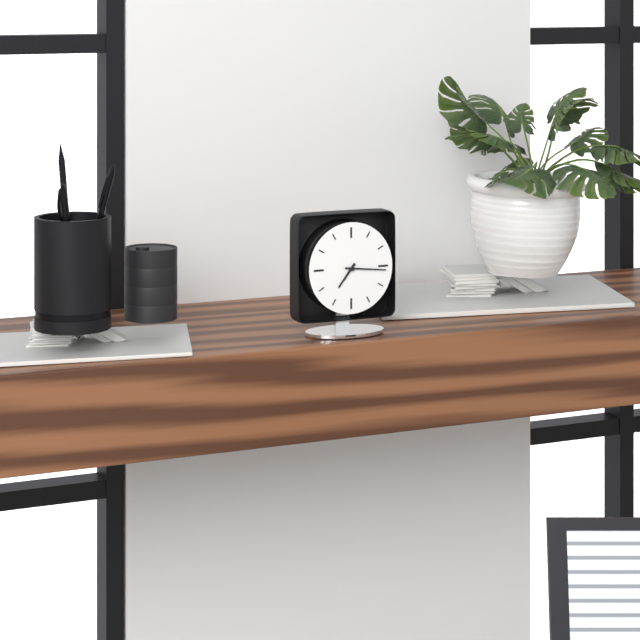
7:16
